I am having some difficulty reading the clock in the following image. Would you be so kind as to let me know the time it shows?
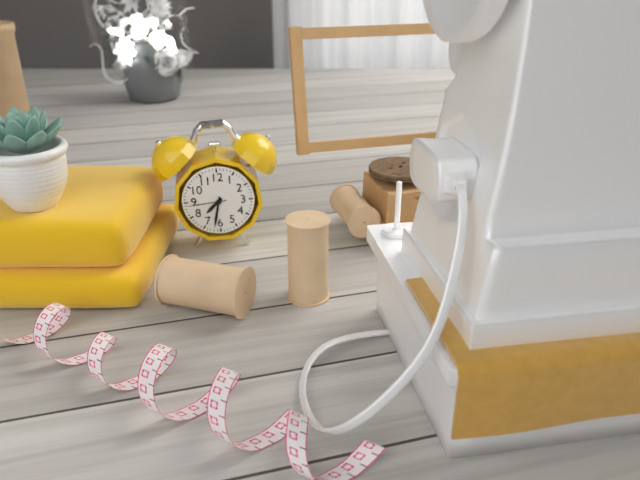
7:32
